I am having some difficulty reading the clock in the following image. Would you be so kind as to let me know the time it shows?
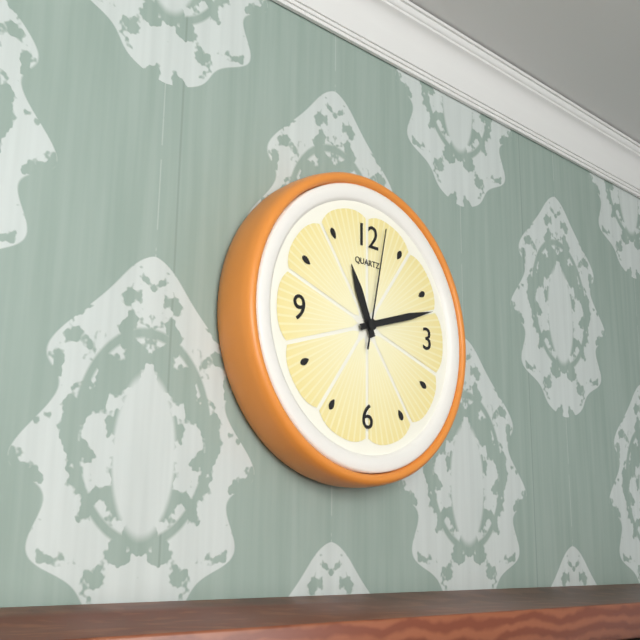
11:12:02
